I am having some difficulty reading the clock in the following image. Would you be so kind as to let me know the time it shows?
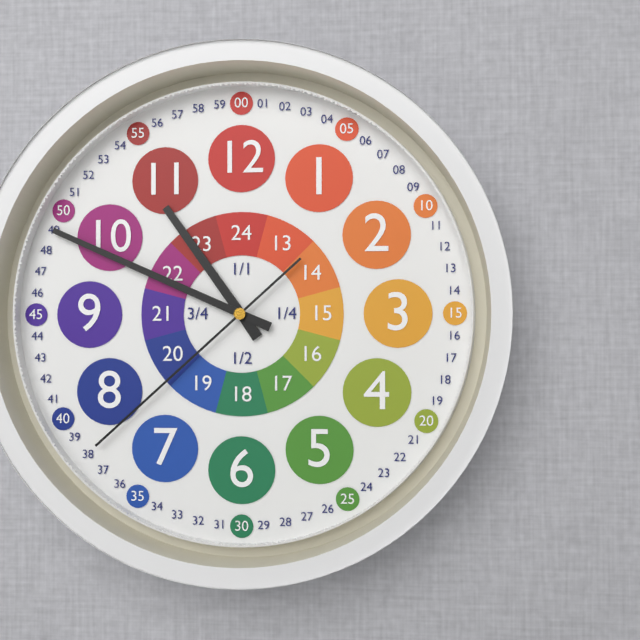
10:49:38
